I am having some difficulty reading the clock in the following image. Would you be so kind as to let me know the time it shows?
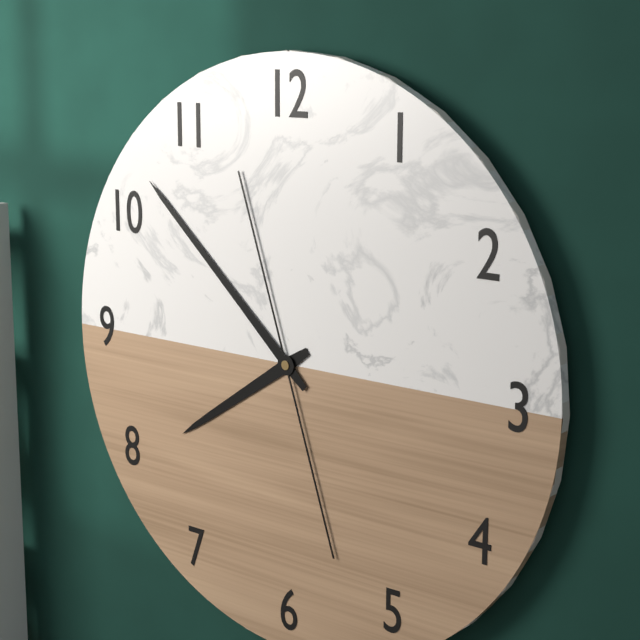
7:52
